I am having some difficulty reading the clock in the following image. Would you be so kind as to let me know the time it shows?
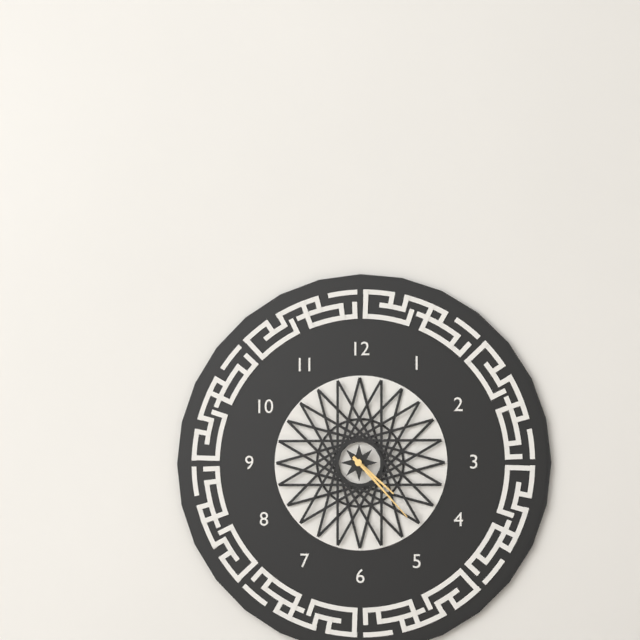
4:23
